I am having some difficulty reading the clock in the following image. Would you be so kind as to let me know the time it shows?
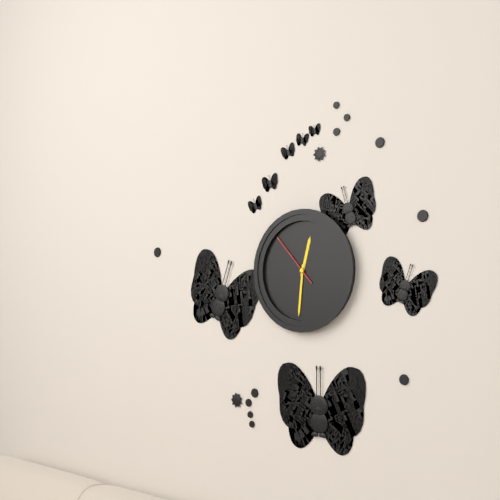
12:31:53
